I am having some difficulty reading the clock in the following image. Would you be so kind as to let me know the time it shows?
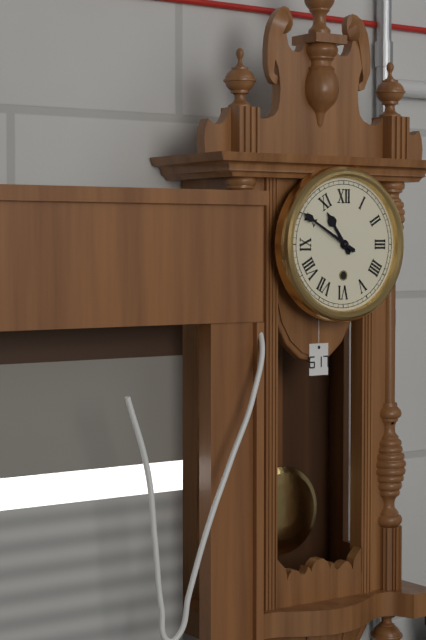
10:50
